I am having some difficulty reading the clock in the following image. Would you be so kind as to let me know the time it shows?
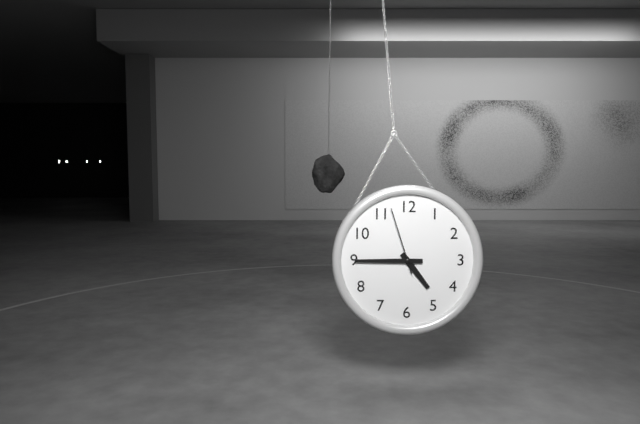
4:45:57
